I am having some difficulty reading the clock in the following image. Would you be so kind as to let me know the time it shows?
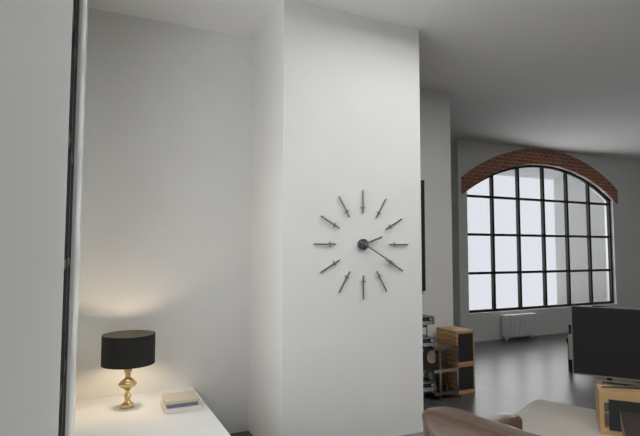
2:20
